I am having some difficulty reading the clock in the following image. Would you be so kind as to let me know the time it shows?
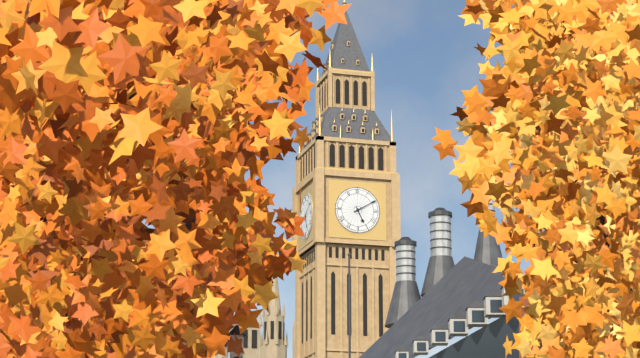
5:10
